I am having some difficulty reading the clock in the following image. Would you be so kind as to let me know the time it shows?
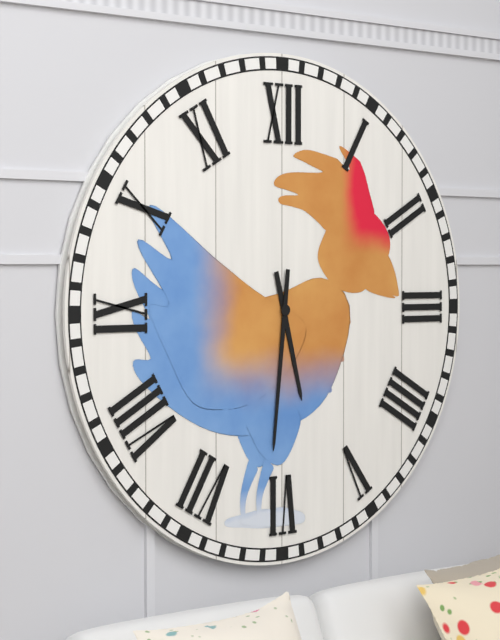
5:31
